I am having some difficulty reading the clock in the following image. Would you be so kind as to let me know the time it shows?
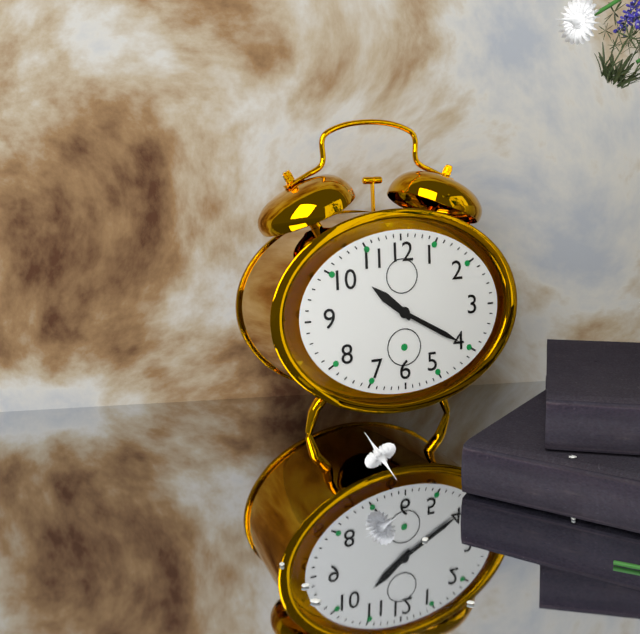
10:20
